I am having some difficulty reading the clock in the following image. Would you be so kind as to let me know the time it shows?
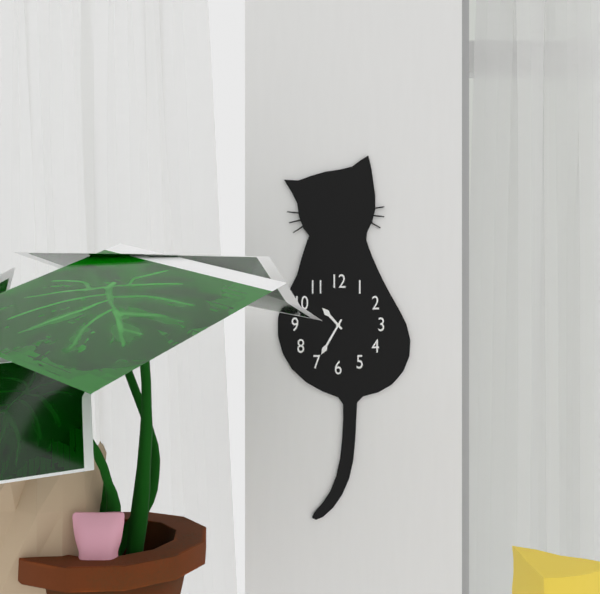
10:35
